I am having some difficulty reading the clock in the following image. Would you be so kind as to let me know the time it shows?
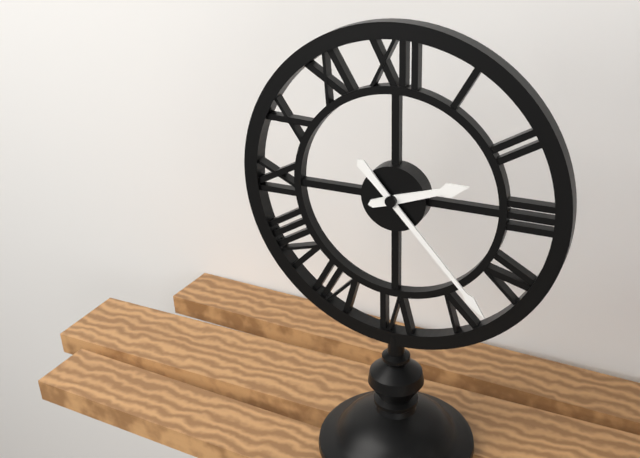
2:23
